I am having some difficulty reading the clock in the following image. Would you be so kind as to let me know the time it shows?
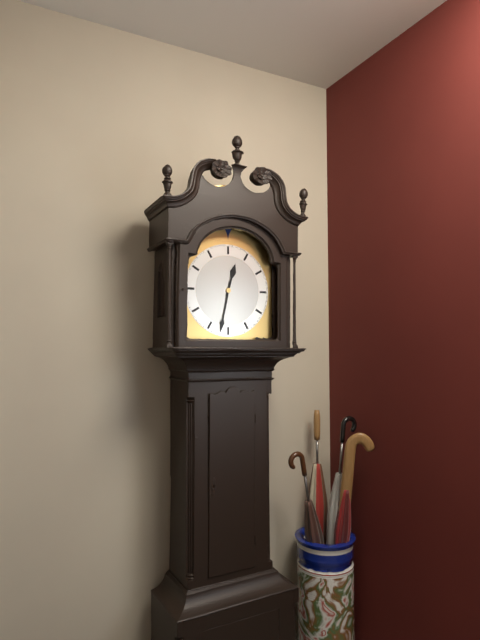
12:32
